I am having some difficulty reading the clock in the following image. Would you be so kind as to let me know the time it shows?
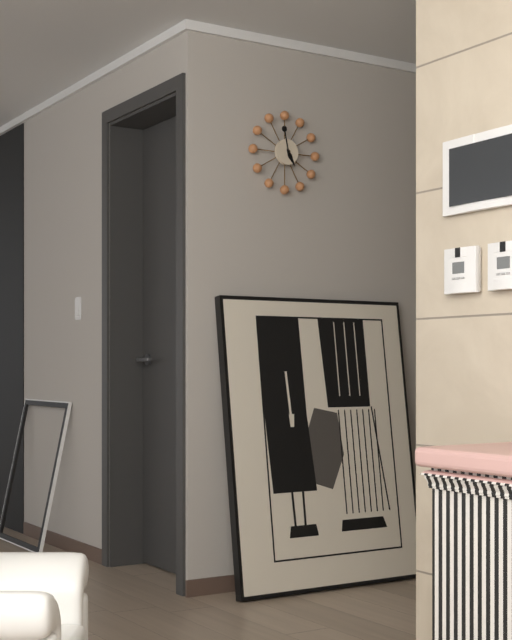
4:58
